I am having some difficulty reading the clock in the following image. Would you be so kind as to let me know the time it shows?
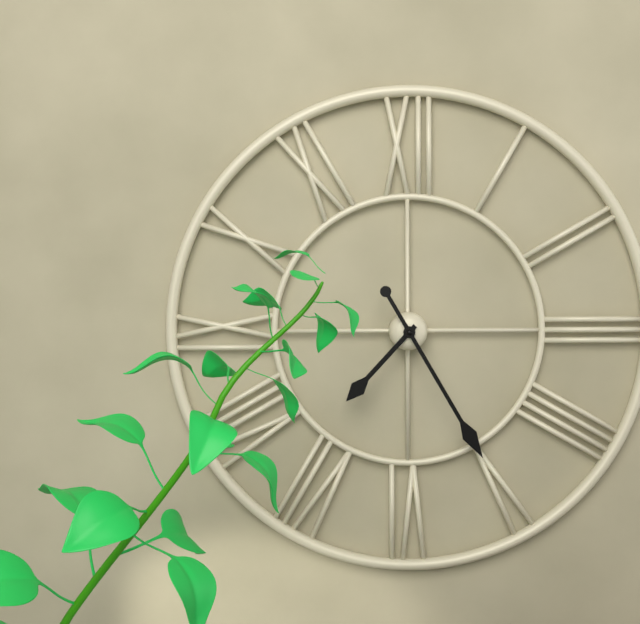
7:25
